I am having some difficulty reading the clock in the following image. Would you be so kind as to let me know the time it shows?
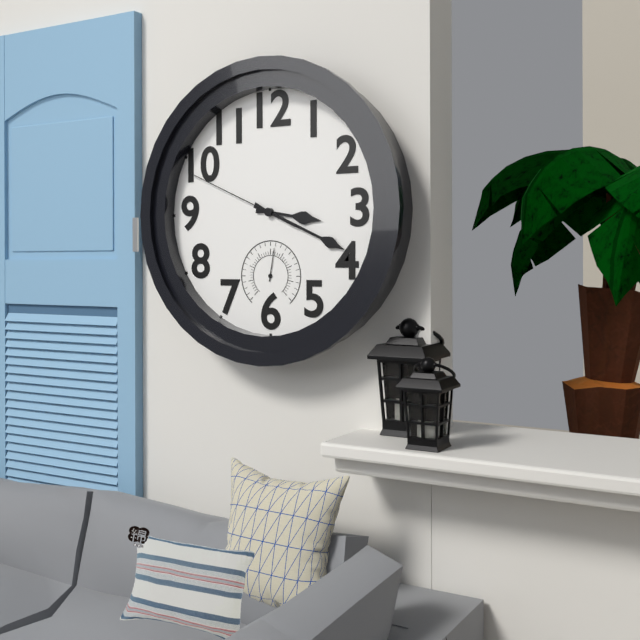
3:19:49
